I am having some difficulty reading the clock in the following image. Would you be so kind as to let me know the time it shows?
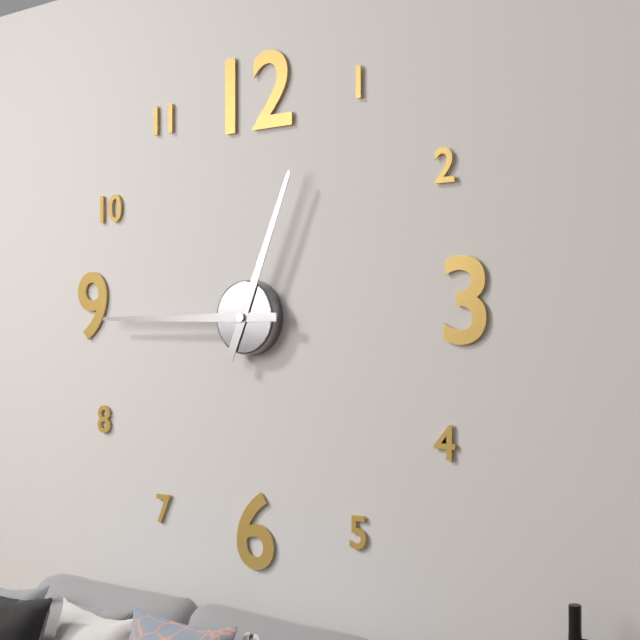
12:45
